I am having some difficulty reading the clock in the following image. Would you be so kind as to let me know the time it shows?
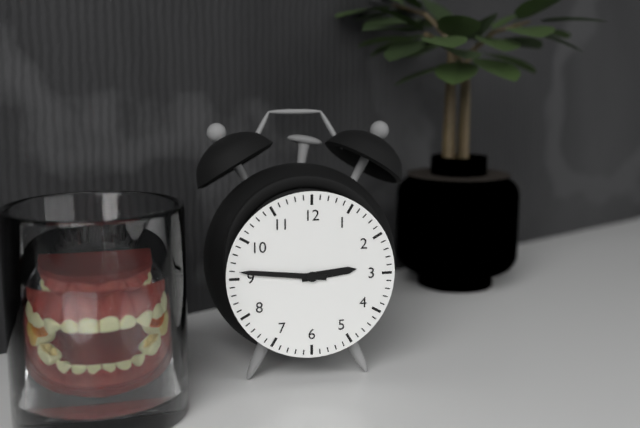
2:46
